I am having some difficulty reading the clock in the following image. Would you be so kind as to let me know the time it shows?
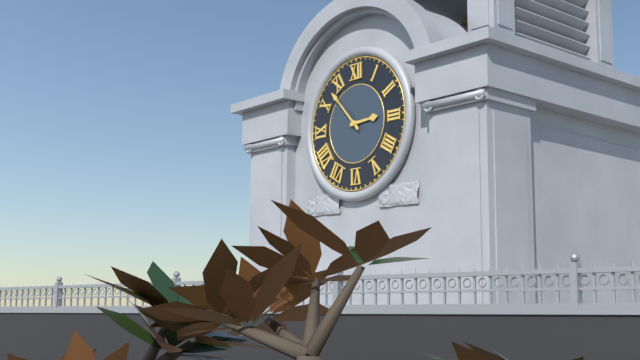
2:53
